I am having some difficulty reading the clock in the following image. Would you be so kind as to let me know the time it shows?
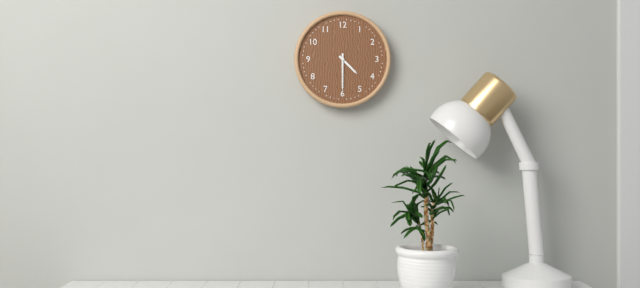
4:30
